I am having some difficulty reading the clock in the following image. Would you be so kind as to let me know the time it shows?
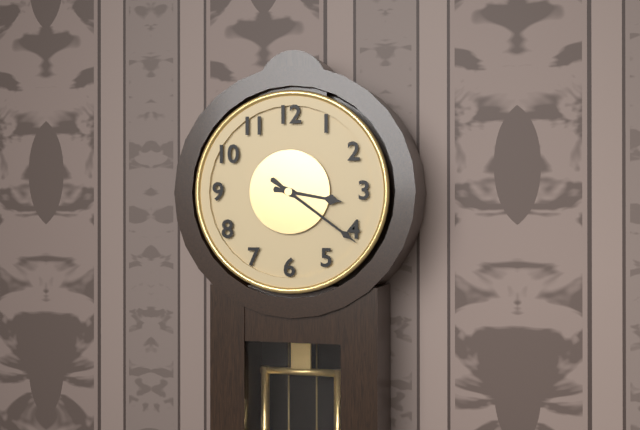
3:21
